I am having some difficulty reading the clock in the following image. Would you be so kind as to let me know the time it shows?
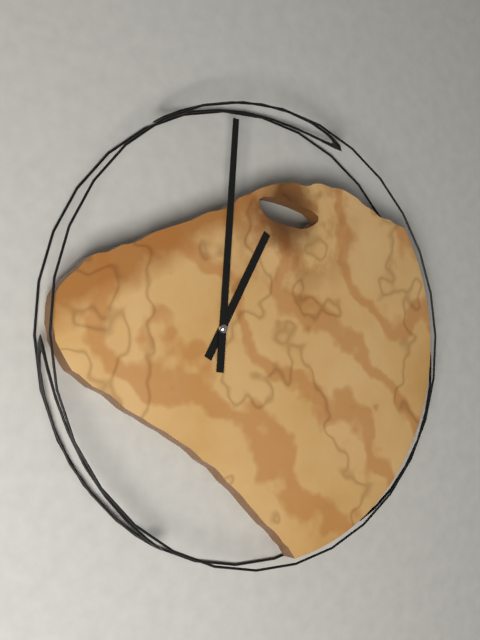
1:01
